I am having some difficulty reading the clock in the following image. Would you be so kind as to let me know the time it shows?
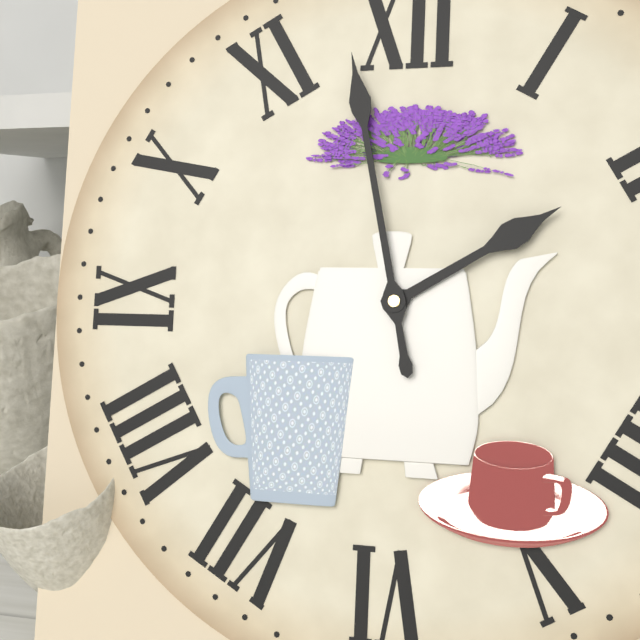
1:58
